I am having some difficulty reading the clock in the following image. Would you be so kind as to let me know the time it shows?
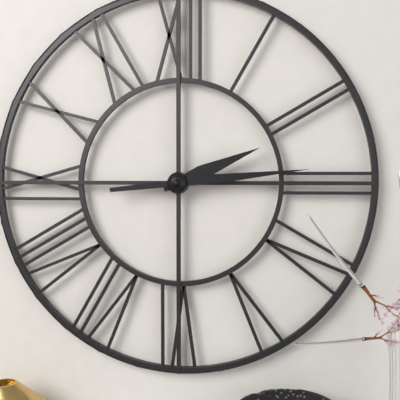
2:14
